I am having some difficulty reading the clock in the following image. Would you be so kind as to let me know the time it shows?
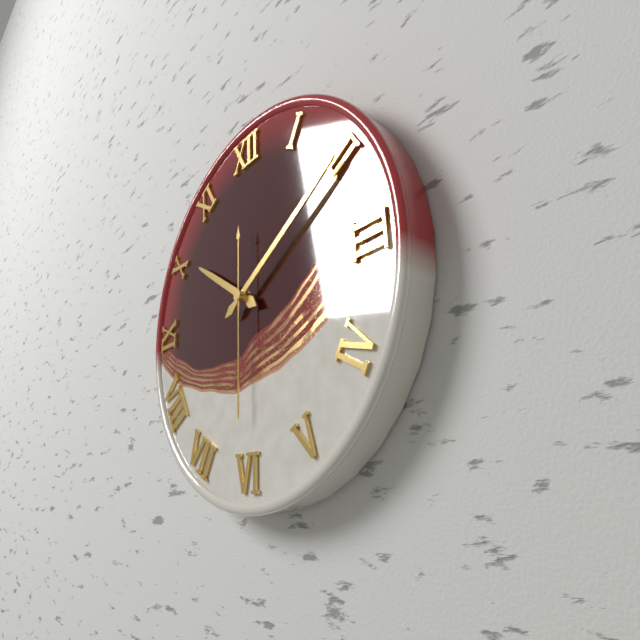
10:10:30
